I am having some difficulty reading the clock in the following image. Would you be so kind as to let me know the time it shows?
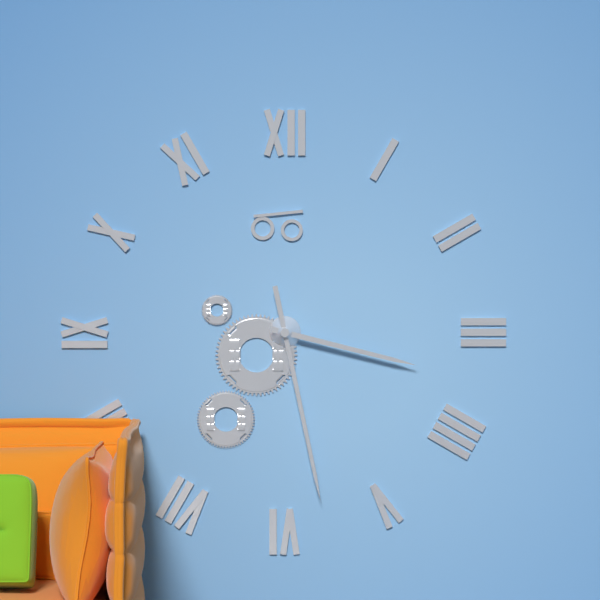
3:28
